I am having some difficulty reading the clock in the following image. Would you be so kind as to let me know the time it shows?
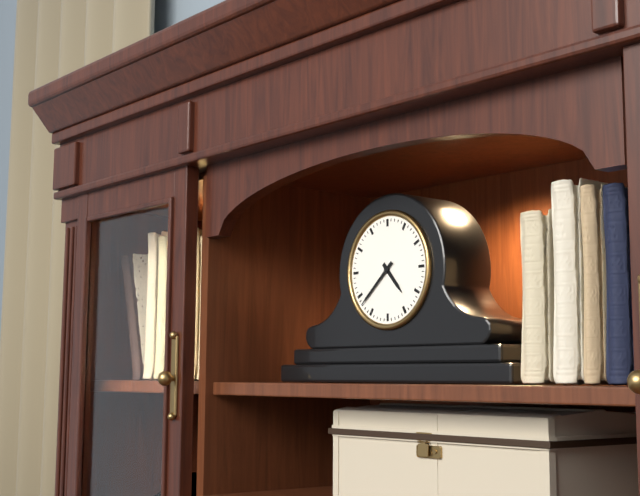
4:38
